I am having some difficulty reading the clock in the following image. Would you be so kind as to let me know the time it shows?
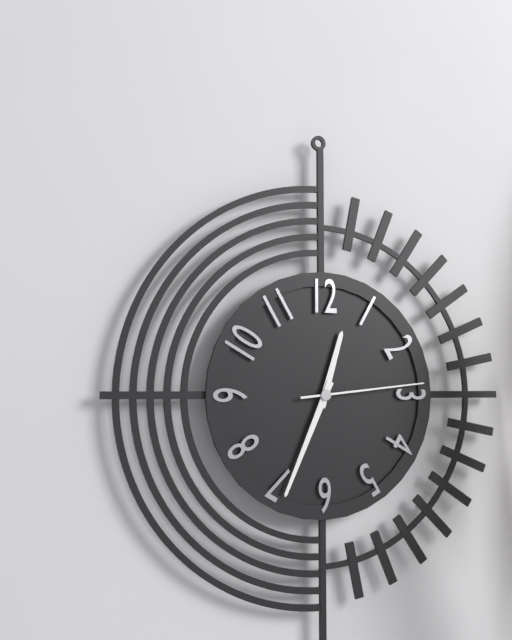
12:34:14
